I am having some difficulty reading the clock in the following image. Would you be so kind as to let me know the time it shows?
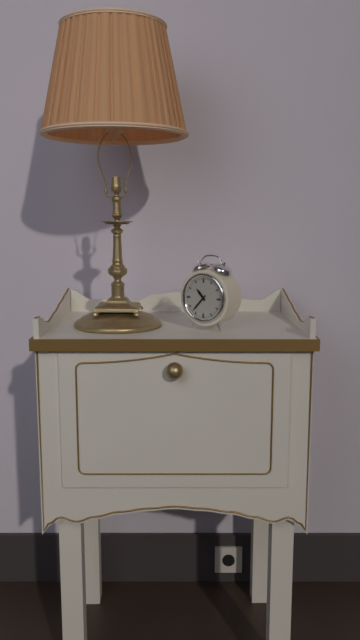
10:37
